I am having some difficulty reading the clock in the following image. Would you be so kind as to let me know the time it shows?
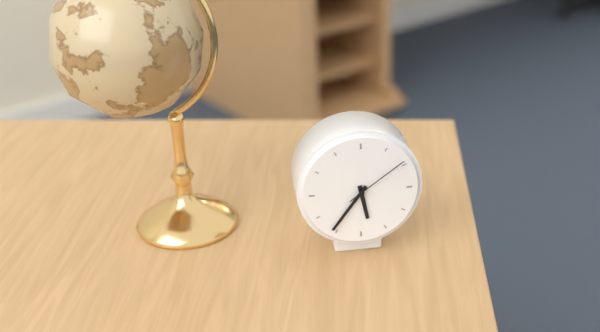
5:36:09
